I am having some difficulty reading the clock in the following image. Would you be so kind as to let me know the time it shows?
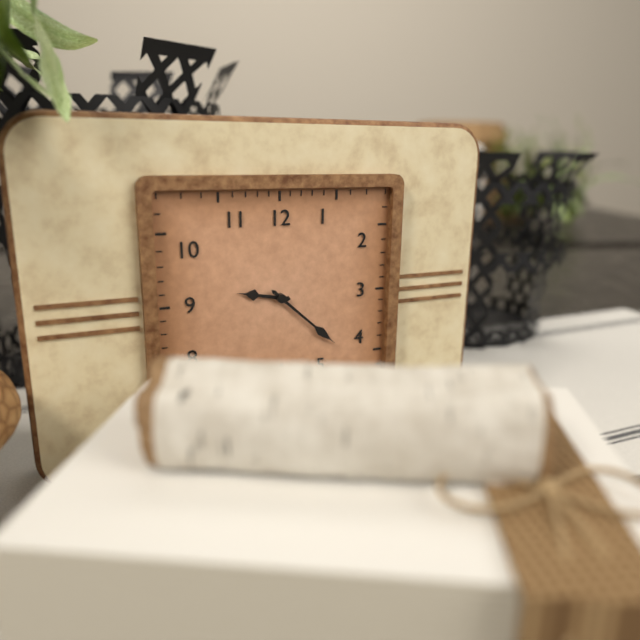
9:22
